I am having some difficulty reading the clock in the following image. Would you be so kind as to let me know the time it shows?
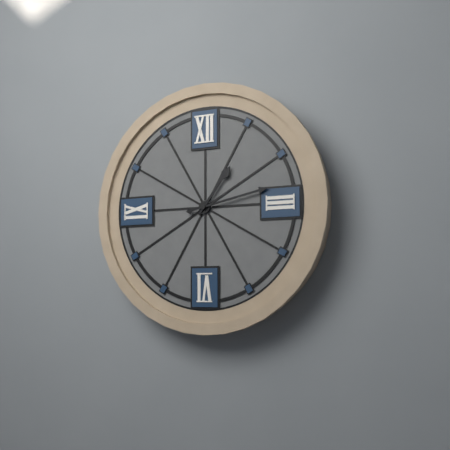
1:13
